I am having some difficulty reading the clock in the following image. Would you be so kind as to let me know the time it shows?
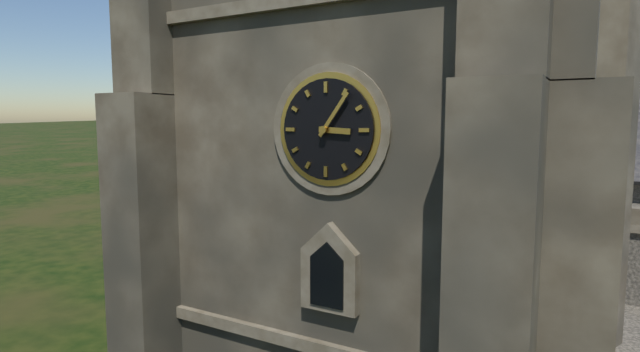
3:06
